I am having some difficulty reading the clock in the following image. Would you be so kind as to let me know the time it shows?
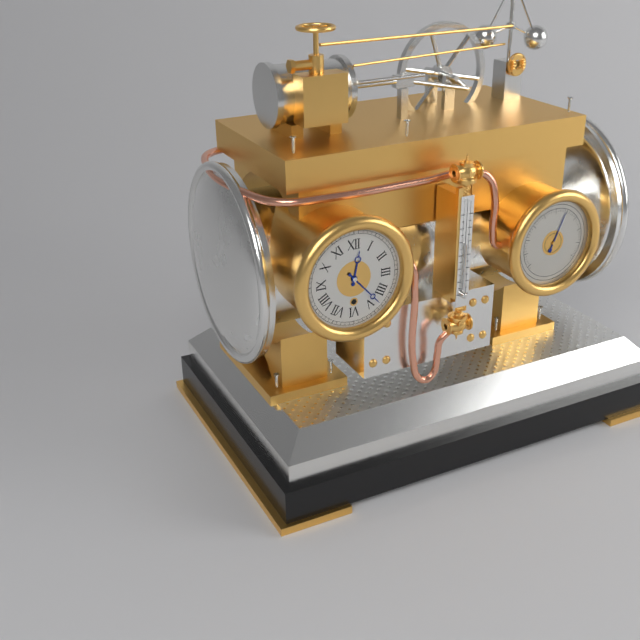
12:23
